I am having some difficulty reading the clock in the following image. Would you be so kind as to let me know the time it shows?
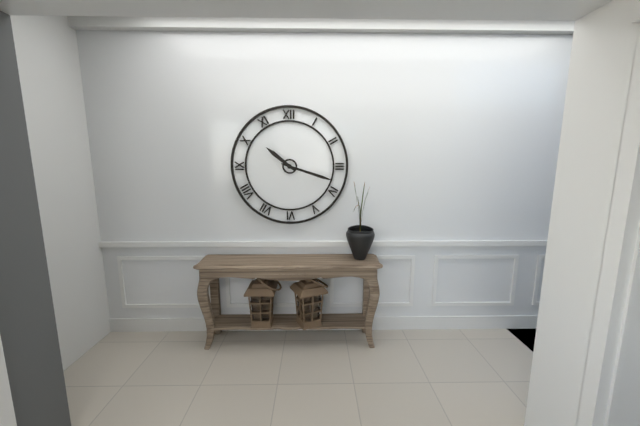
10:18
